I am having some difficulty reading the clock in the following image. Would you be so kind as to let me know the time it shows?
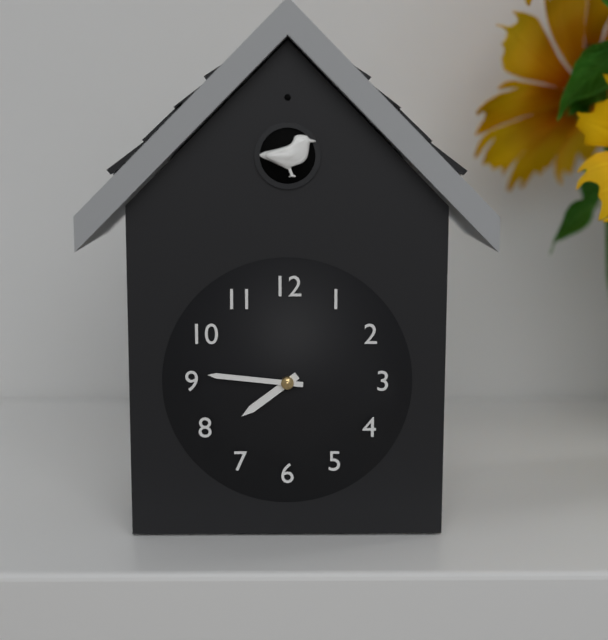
7:46
